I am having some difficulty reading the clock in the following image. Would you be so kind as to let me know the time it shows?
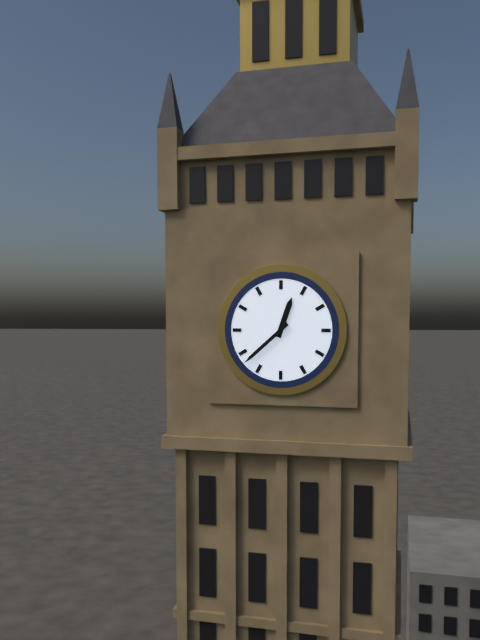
12:38
